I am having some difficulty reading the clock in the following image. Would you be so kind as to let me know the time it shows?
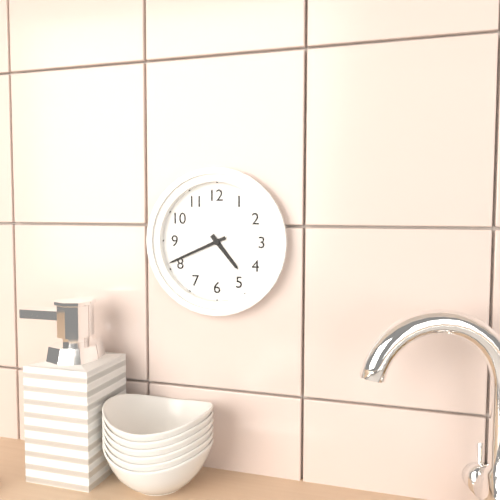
4:41
